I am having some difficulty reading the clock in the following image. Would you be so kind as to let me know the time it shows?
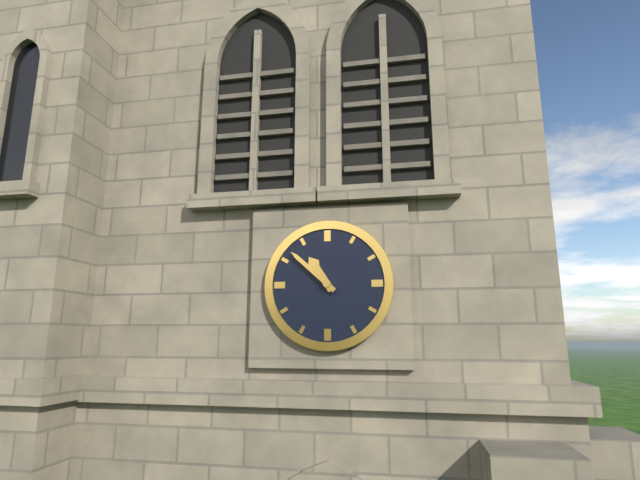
10:52
